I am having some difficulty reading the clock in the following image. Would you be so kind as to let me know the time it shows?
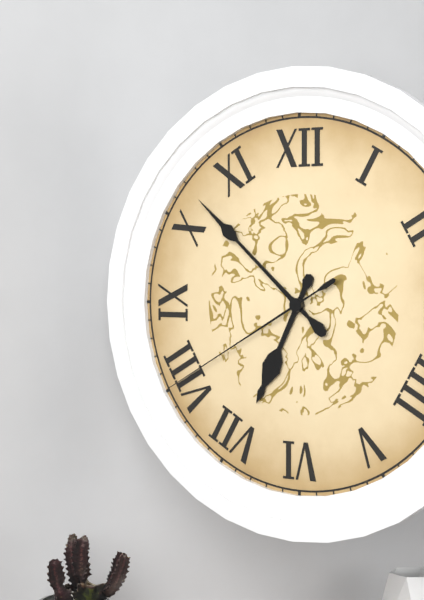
6:52:40
